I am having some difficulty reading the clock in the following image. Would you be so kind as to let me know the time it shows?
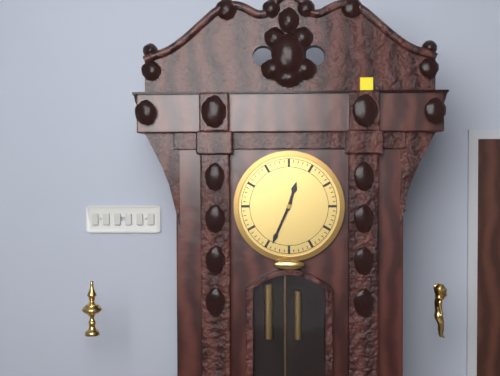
12:34
